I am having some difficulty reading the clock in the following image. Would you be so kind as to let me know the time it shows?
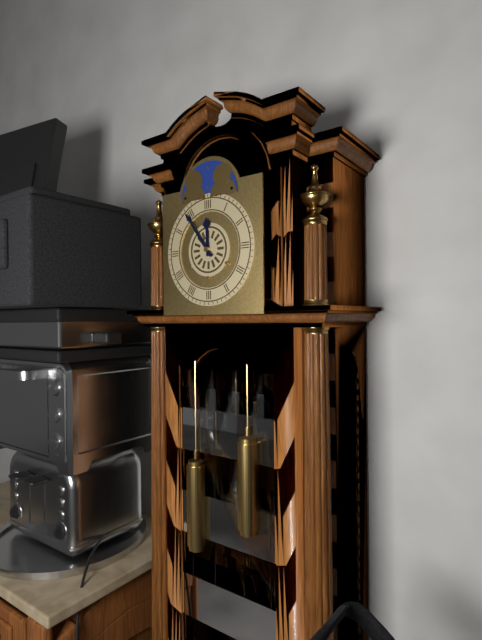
11:54
